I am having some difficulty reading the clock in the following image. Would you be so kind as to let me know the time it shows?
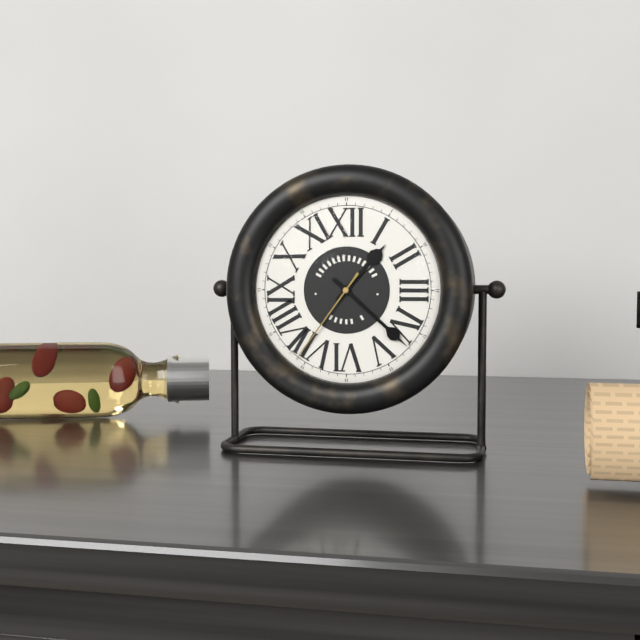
1:22:36
